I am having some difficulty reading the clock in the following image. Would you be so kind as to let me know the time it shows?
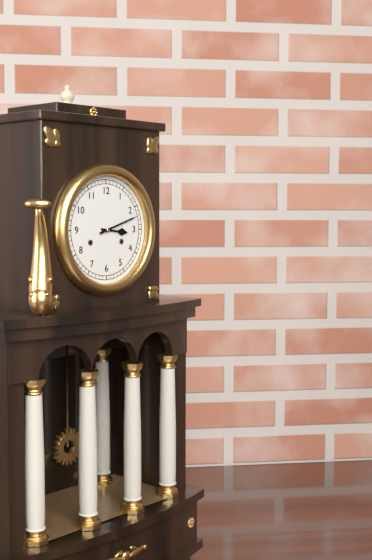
3:12
